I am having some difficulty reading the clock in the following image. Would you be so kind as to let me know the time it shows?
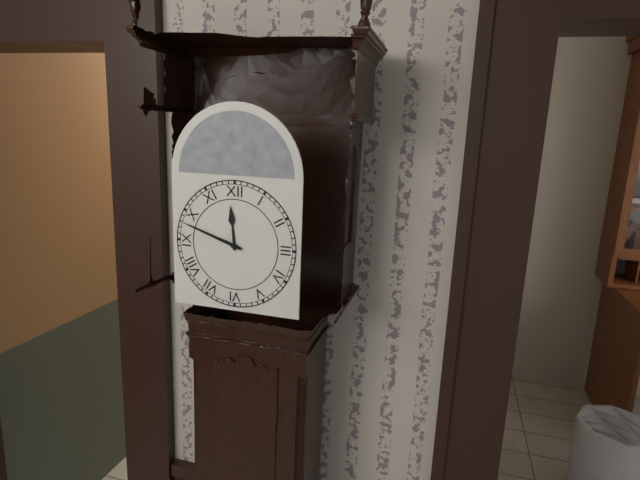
11:48
